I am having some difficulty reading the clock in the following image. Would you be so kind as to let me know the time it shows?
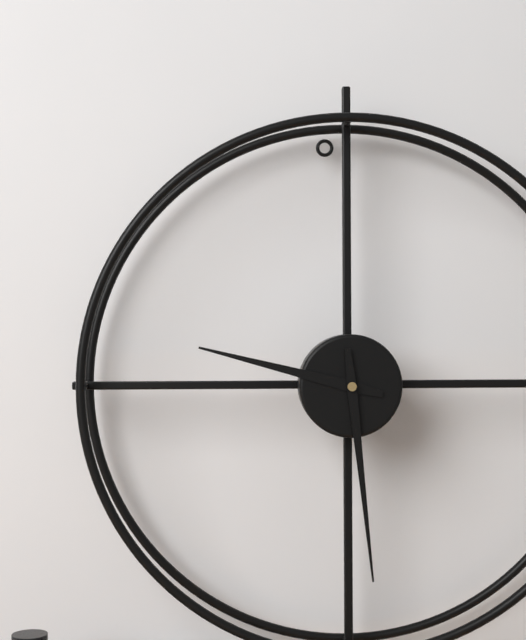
9:29
